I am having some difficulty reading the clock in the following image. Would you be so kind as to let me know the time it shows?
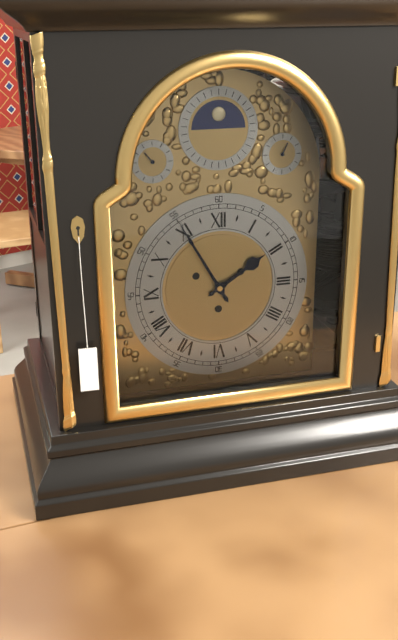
1:55
